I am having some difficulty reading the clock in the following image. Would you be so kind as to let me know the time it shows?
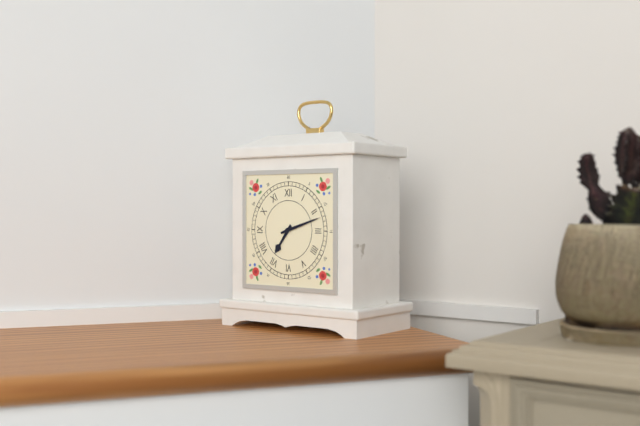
7:12
